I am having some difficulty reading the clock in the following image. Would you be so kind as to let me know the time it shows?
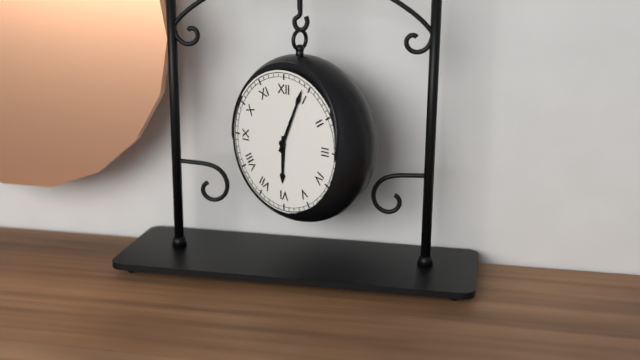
6:04
